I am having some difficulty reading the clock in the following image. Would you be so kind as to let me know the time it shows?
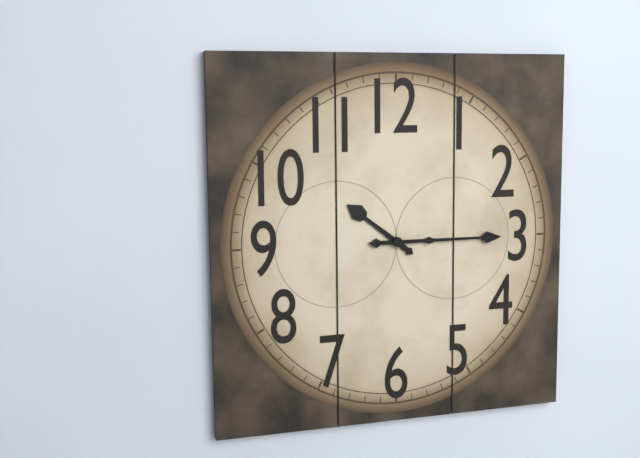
10:15
